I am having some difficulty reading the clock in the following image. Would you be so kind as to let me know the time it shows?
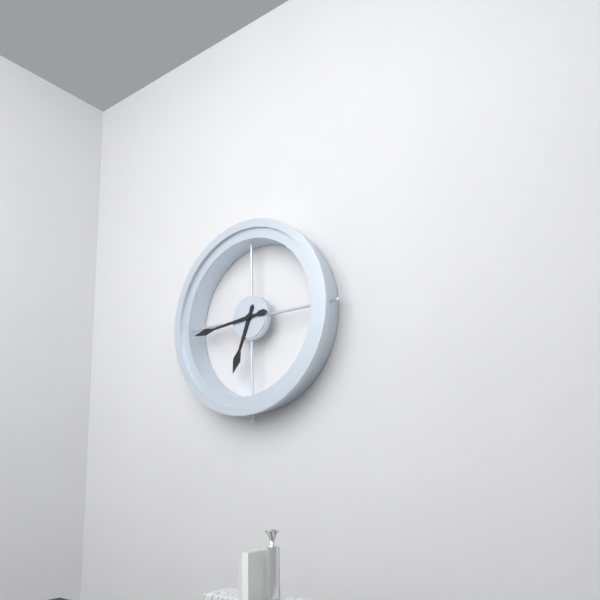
6:44
